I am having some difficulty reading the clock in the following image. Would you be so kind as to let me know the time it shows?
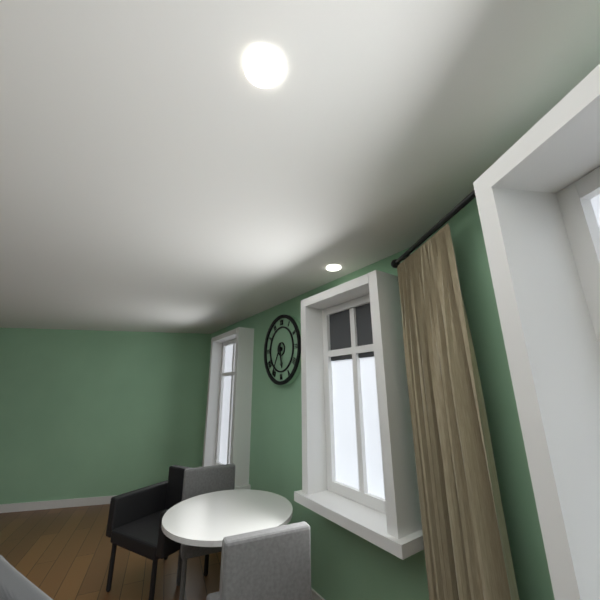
5:35
